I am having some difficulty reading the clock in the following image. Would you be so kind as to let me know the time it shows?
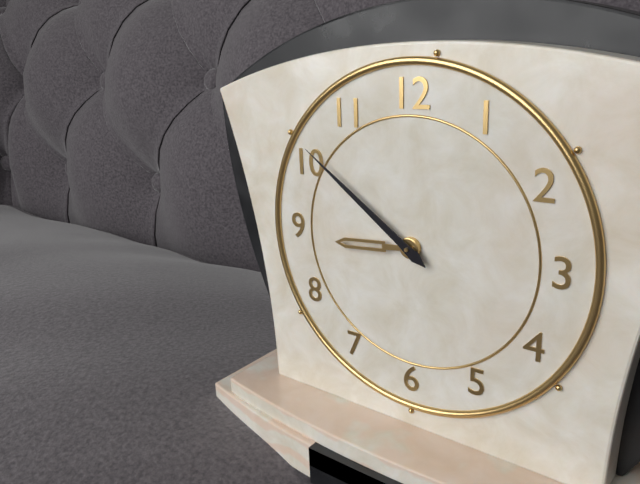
8:51
